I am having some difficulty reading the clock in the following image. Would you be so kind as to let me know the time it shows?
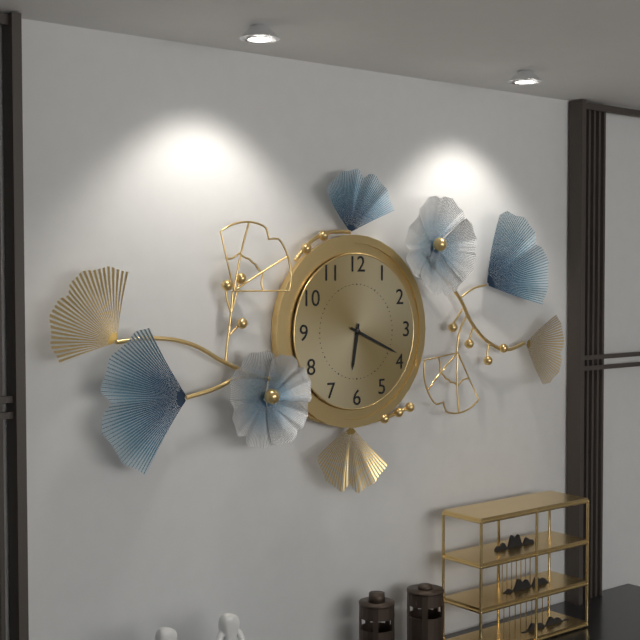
6:19
